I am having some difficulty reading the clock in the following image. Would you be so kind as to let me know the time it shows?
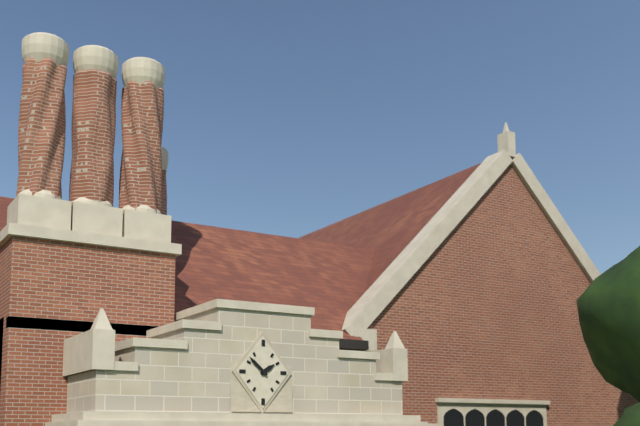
1:52
